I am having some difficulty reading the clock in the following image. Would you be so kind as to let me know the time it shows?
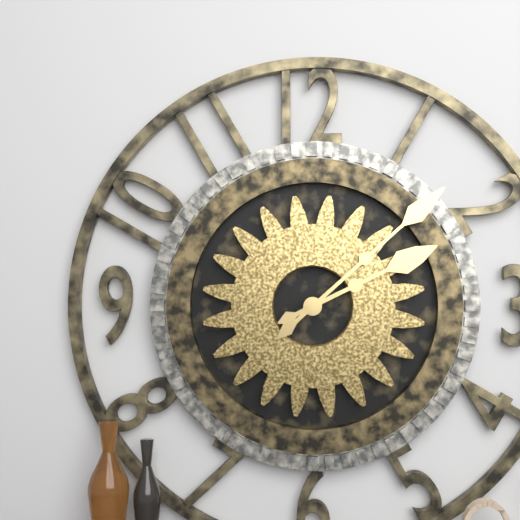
2:08
